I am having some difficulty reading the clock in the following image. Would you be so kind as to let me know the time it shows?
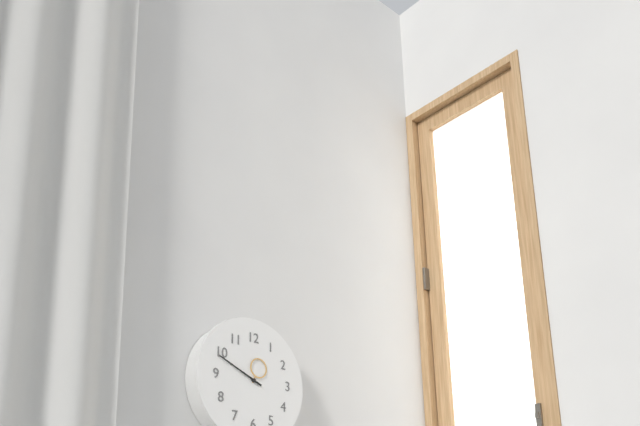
12:49
